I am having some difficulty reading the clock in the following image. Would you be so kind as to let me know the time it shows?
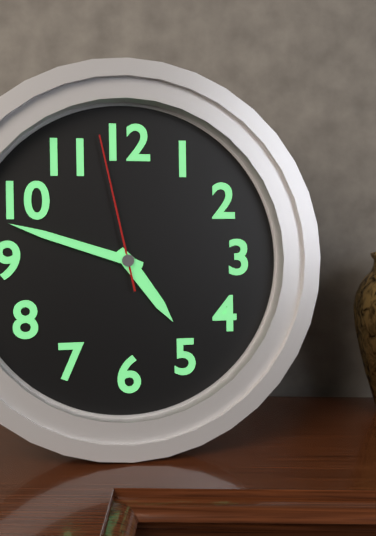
4:48:58
